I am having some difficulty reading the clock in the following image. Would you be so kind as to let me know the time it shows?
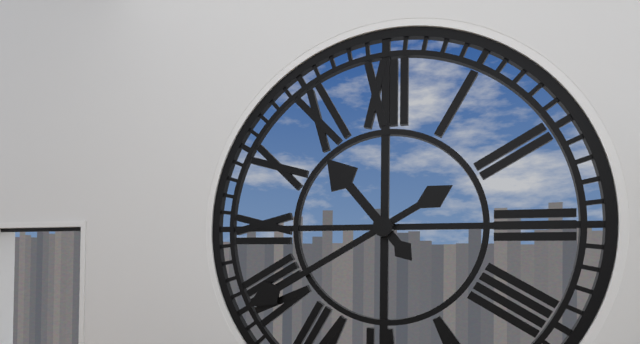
10:40
